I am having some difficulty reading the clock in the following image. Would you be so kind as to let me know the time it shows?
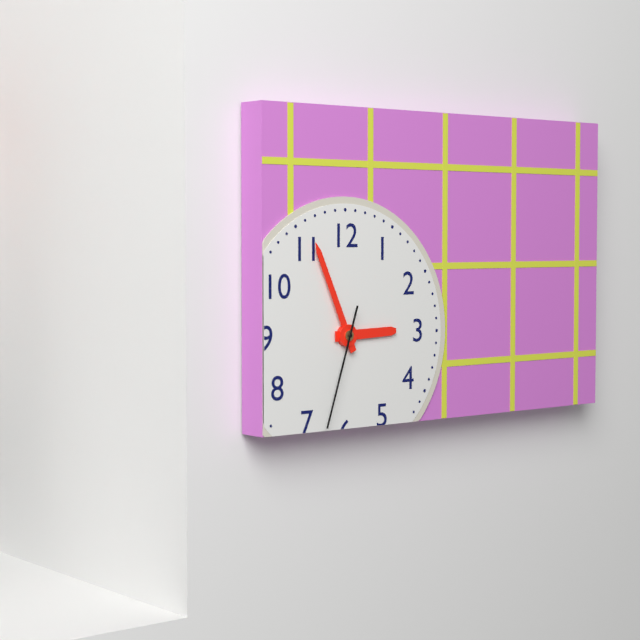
2:56:33
